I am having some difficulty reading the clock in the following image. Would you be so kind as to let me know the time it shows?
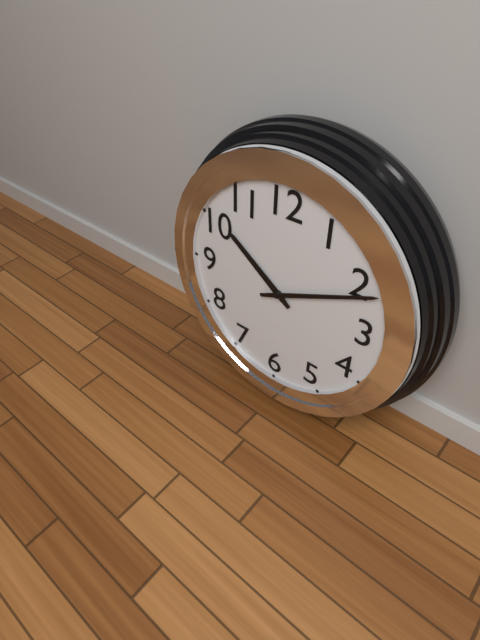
10:11
